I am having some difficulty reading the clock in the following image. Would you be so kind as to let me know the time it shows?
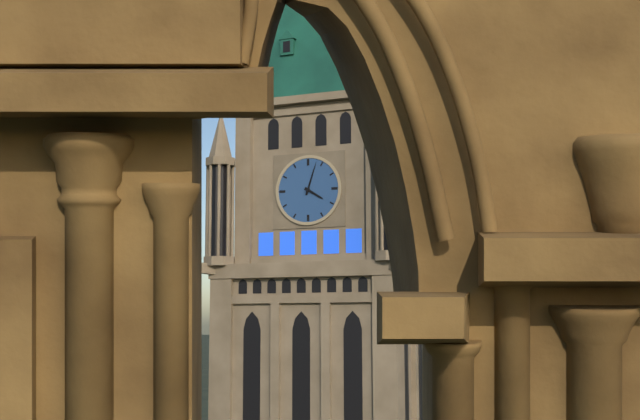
4:03
